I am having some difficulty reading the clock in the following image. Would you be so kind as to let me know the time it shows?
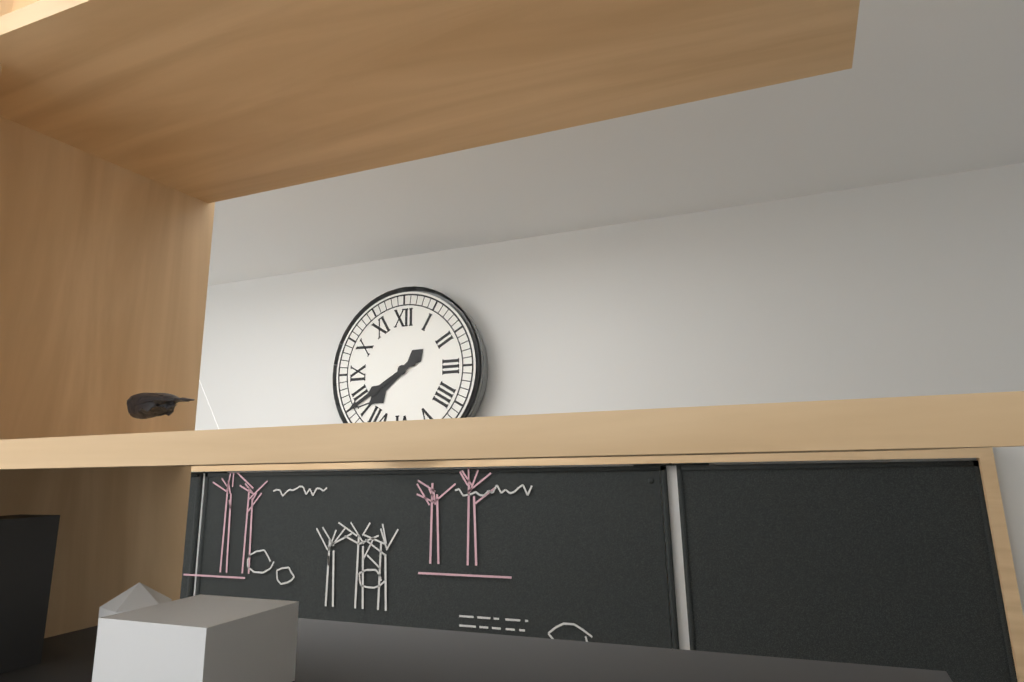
7:40
